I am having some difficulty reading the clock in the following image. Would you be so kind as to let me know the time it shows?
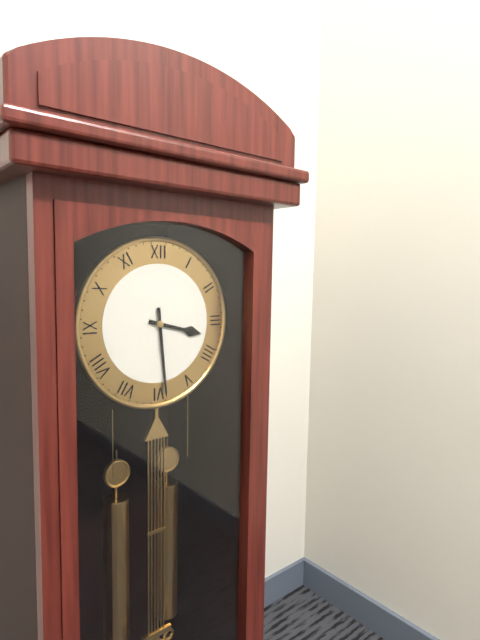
3:29
